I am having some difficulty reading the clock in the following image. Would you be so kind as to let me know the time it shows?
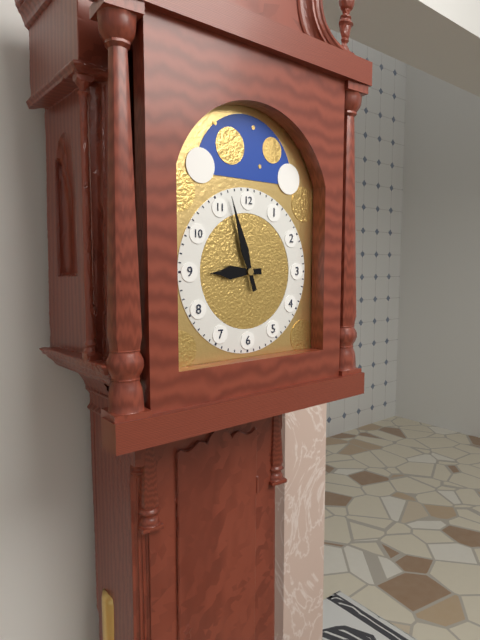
8:57
